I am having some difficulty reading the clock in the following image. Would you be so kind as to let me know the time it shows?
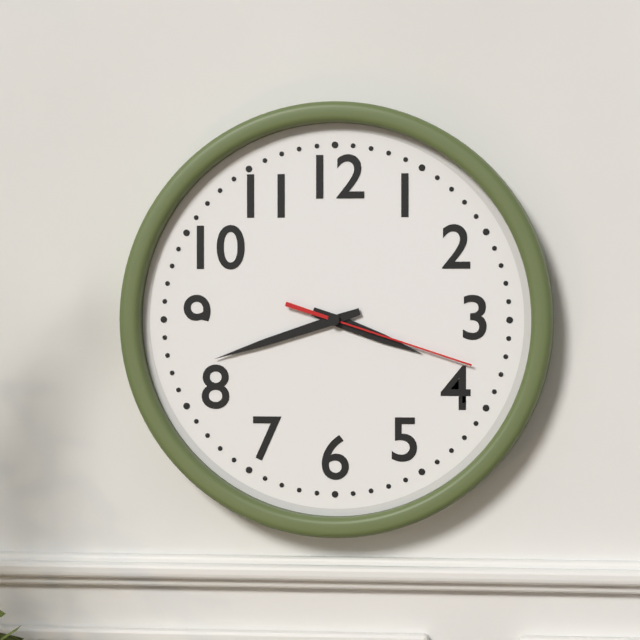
3:42:18
